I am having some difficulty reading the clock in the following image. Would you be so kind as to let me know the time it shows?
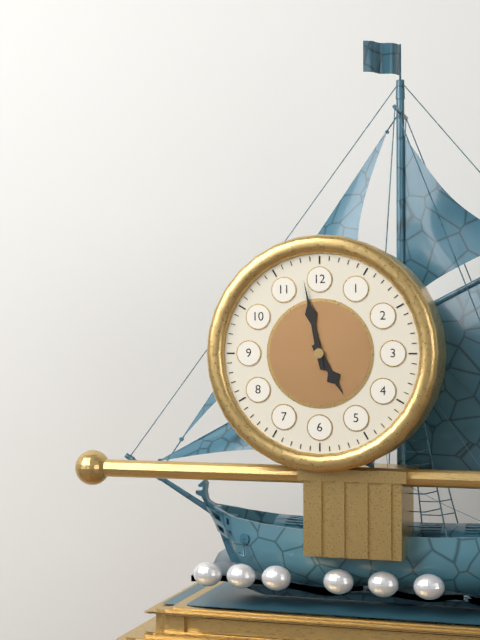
4:58
